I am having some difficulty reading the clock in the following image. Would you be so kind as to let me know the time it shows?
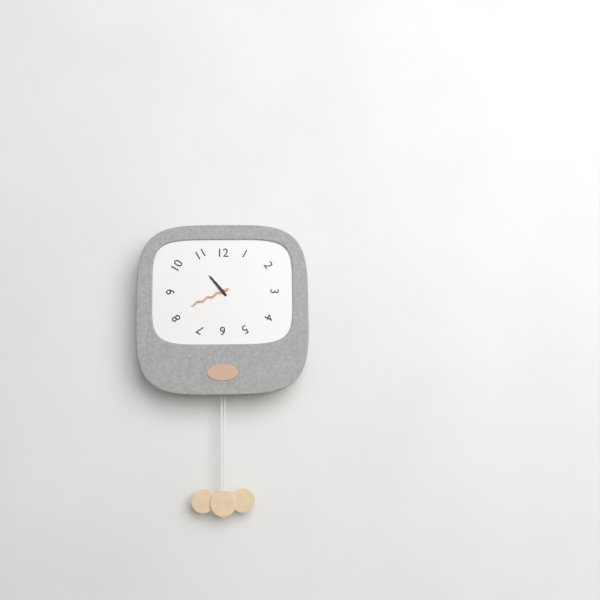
10:41
